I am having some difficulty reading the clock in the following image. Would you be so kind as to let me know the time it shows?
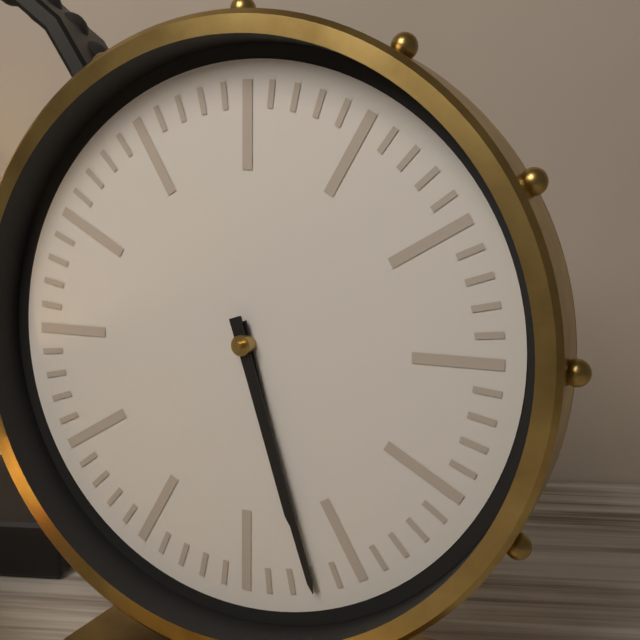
5:27
